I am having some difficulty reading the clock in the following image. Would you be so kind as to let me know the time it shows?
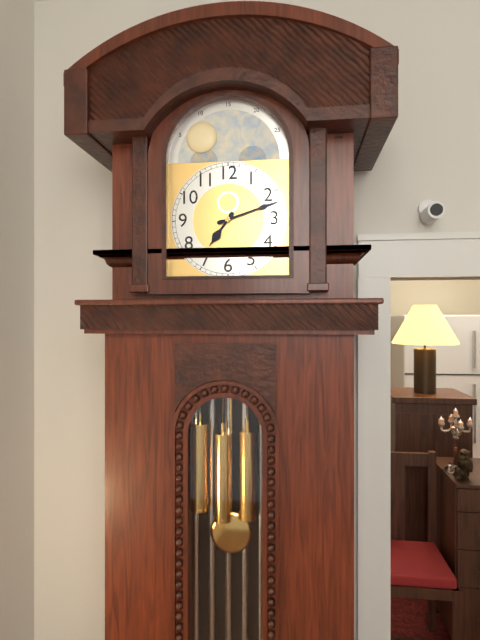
7:12
